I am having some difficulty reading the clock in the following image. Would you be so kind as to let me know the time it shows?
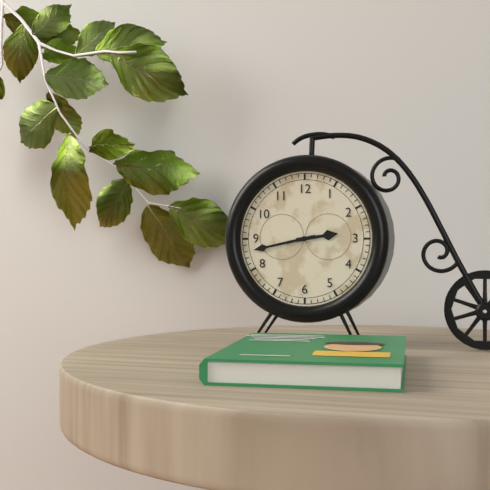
2:43
